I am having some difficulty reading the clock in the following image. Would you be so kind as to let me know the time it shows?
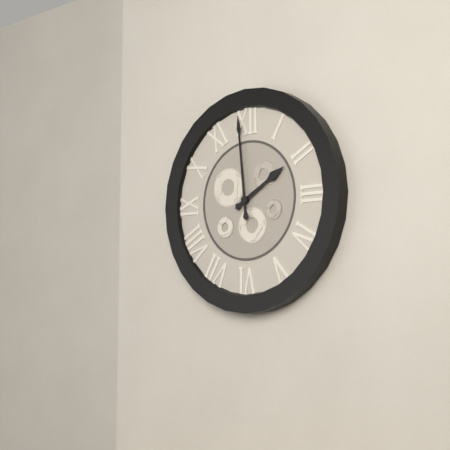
1:59
